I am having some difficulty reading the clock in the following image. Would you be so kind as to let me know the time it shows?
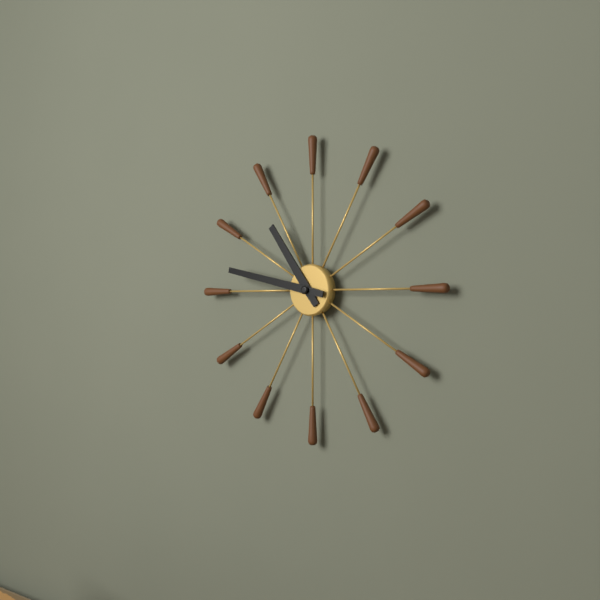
10:47
